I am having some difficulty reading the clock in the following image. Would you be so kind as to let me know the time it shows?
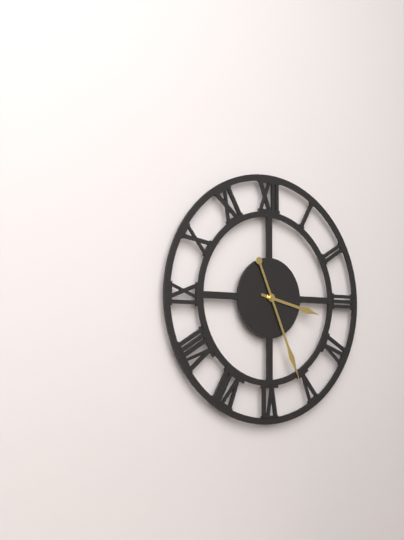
3:26
